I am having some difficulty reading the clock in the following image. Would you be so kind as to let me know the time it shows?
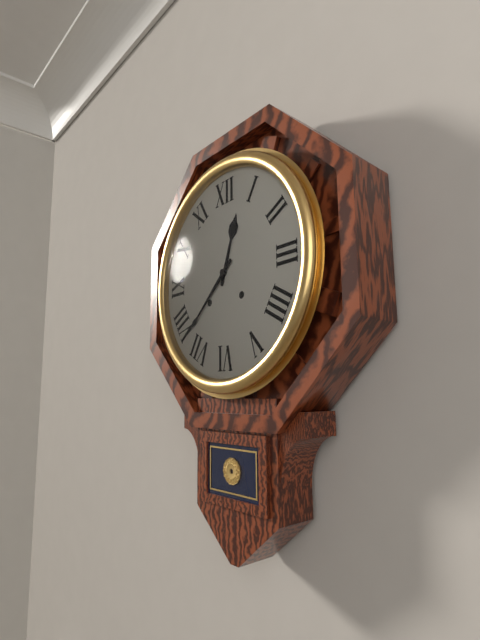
12:38
